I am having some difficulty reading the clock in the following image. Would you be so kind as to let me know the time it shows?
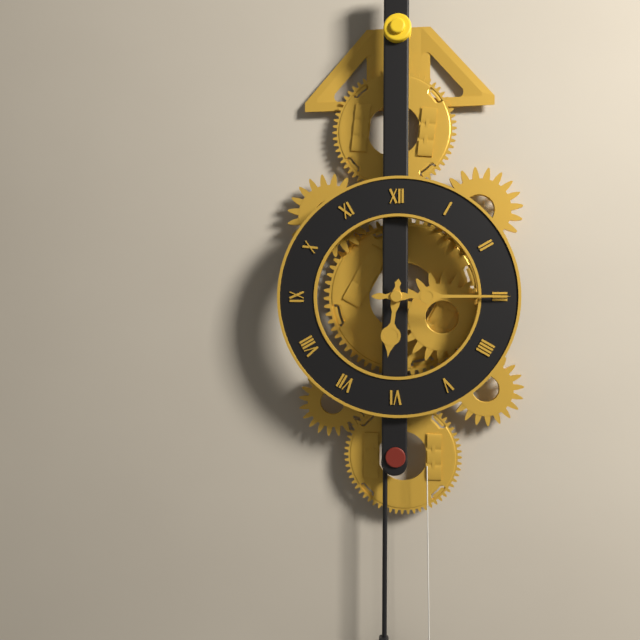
6:15
